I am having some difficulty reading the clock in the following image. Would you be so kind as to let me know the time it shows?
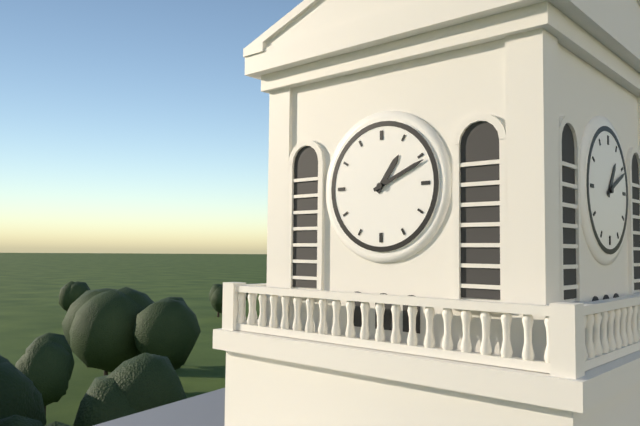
1:11
